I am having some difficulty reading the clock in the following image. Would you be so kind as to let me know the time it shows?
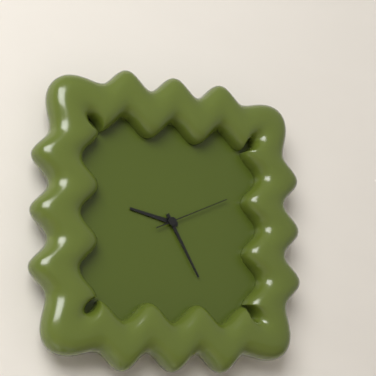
9:25:11
